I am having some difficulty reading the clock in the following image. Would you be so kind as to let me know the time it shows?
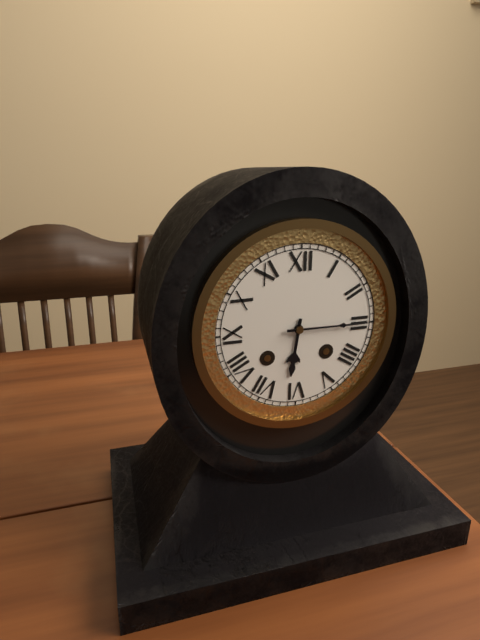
6:15
